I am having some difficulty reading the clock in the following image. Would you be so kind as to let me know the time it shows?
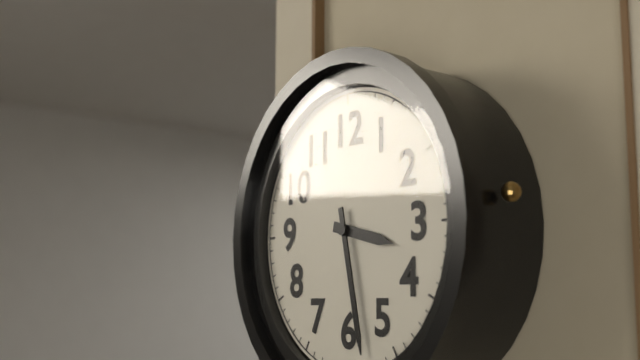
3:28
